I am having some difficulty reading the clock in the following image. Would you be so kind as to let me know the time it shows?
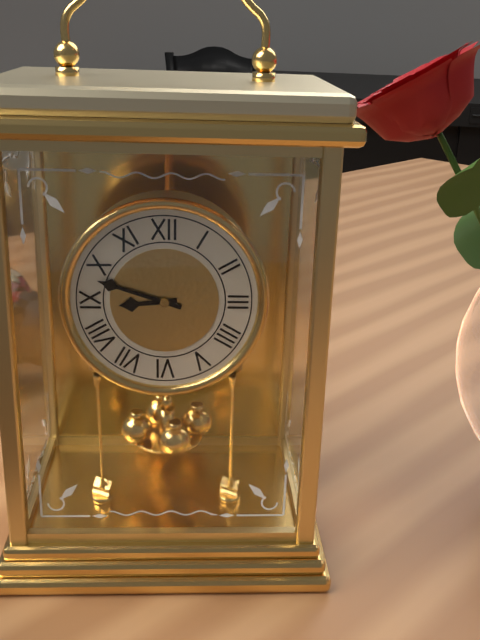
8:48
